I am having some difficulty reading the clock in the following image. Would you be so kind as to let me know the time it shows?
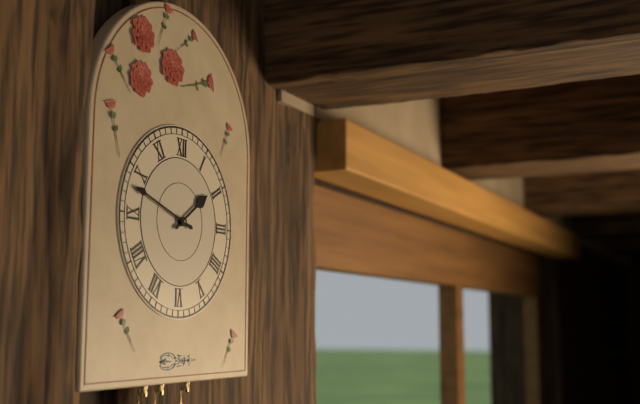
1:48
